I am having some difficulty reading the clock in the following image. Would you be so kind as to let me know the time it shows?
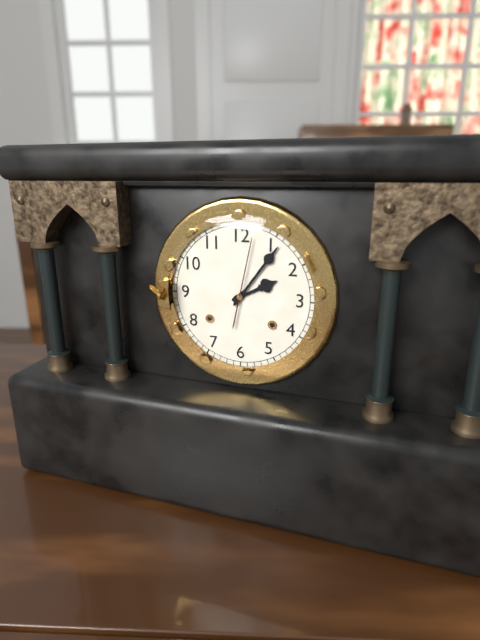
2:06:02
